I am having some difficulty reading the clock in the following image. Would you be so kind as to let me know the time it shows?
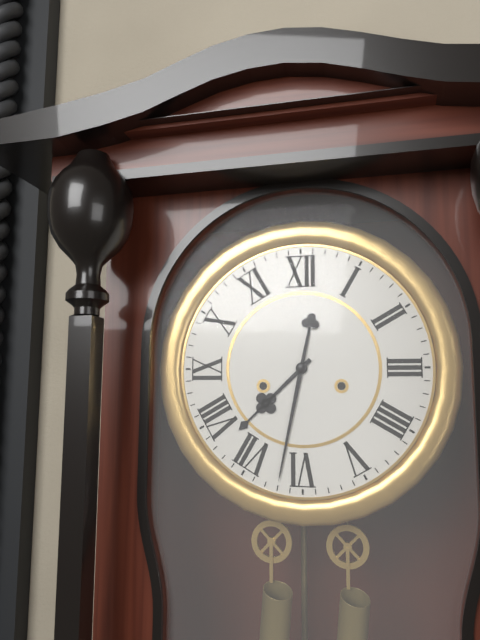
7:32
